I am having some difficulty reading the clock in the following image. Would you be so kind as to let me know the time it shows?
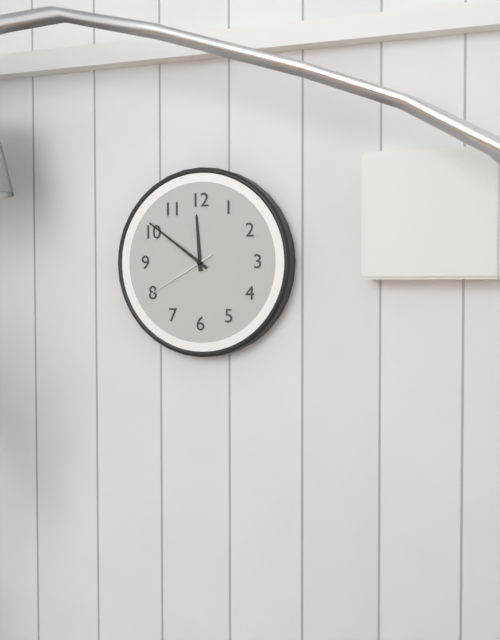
11:51:40
